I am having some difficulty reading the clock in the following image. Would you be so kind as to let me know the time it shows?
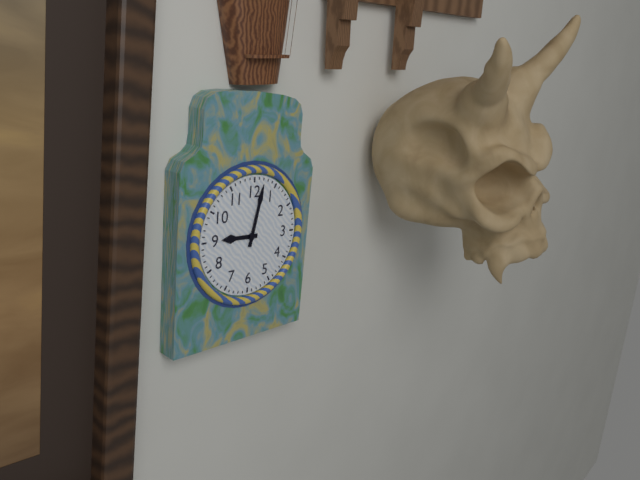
9:02
